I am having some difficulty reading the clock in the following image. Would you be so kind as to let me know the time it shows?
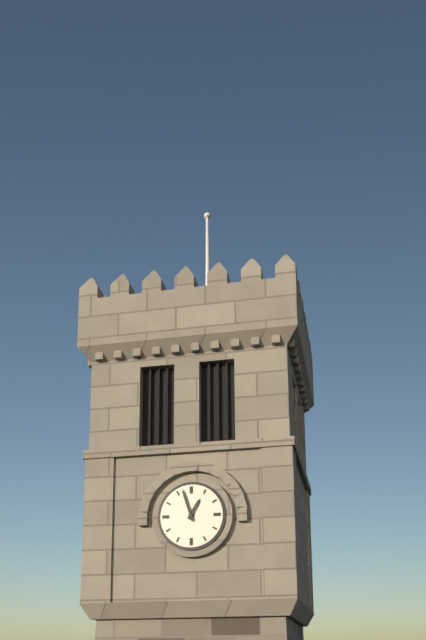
12:57
